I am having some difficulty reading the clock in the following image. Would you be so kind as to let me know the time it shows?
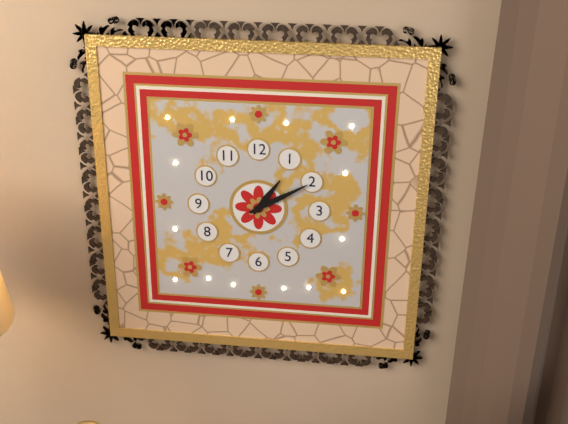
1:10
